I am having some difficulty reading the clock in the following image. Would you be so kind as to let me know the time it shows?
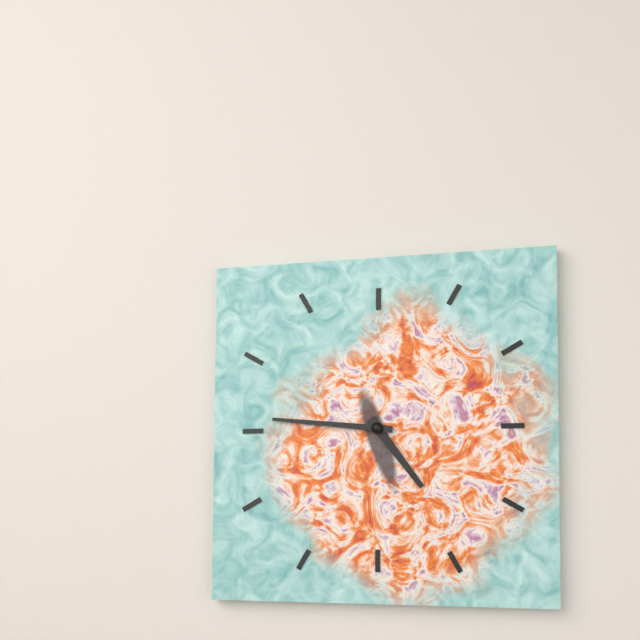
4:46
